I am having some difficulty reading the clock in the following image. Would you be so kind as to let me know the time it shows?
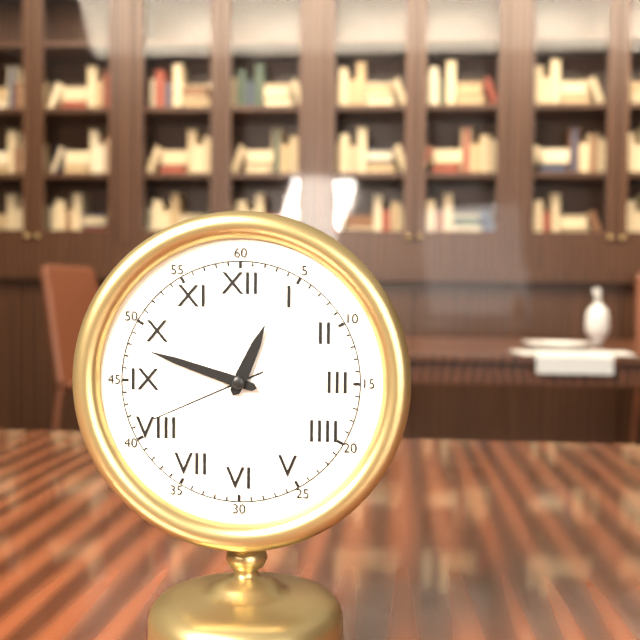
12:48:41
